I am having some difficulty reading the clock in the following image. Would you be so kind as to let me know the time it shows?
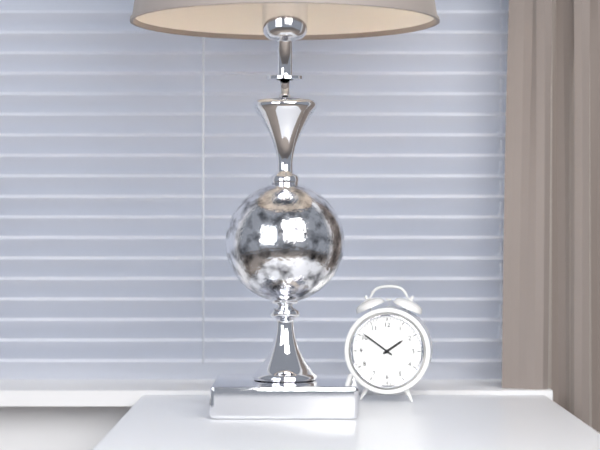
1:51
